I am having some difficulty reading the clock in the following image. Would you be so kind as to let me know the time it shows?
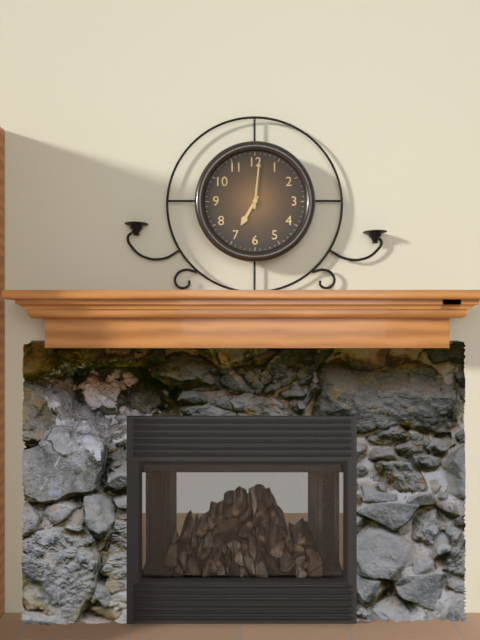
7:01
